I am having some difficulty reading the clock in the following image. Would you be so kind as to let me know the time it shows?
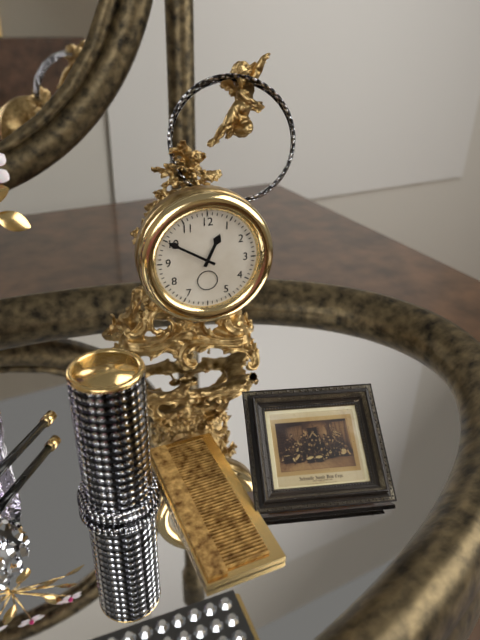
12:50
